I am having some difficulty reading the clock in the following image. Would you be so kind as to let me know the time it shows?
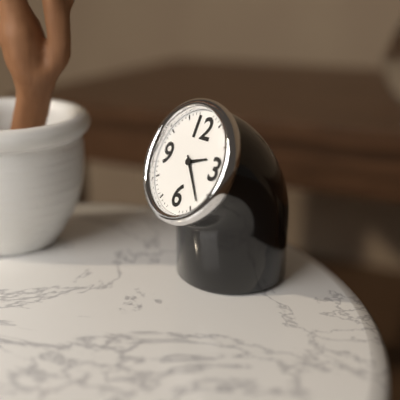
2:23
